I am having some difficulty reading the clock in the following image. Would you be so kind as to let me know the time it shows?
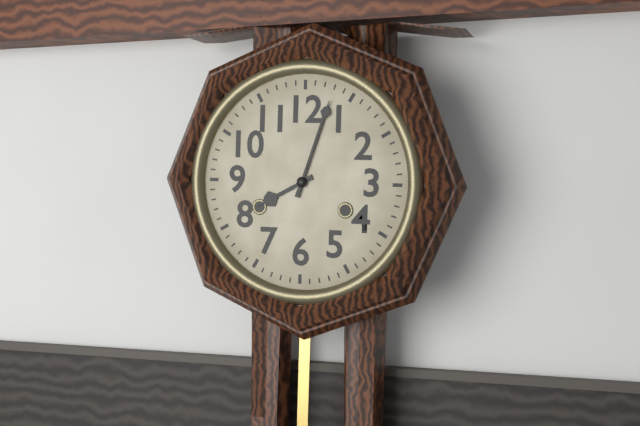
8:03
